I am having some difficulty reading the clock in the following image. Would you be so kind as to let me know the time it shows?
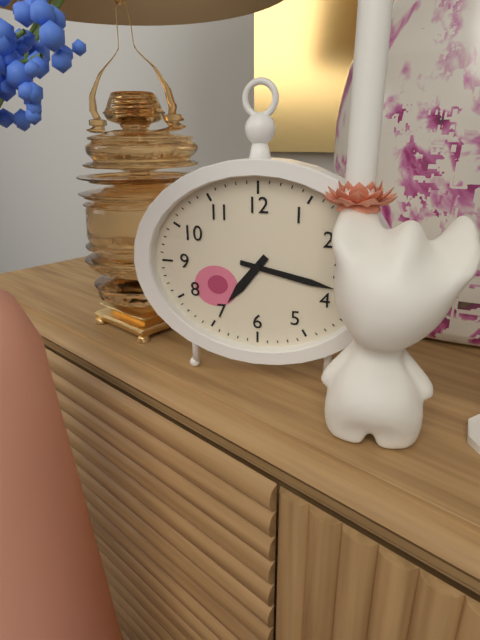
7:17
